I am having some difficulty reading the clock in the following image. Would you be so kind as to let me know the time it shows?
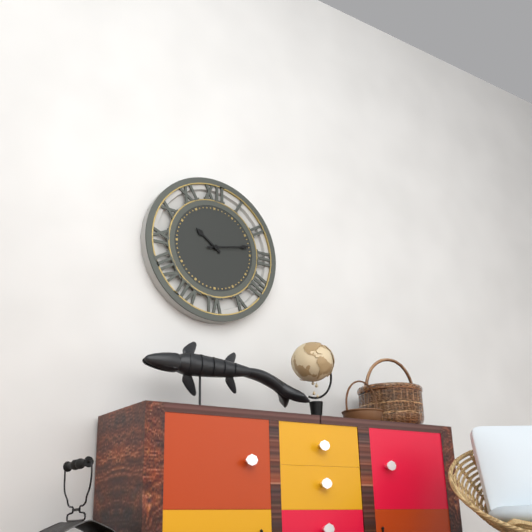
10:13
